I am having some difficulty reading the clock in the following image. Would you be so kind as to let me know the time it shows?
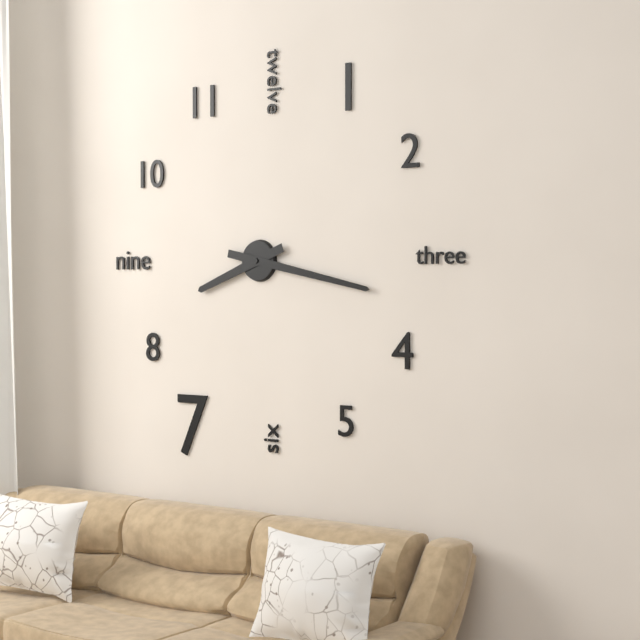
8:17
